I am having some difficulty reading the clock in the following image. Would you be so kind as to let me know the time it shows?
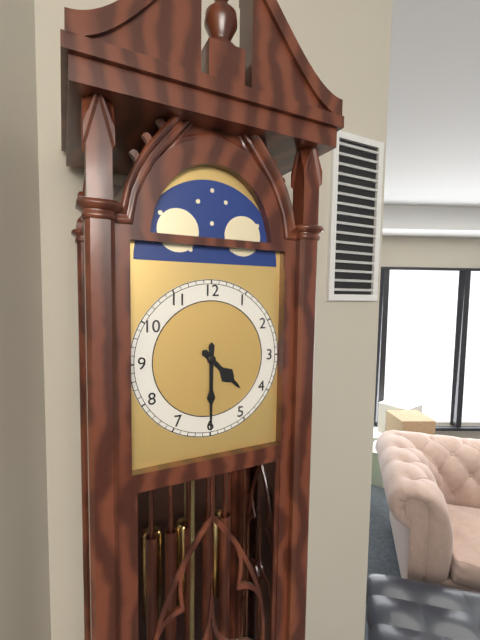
4:30
